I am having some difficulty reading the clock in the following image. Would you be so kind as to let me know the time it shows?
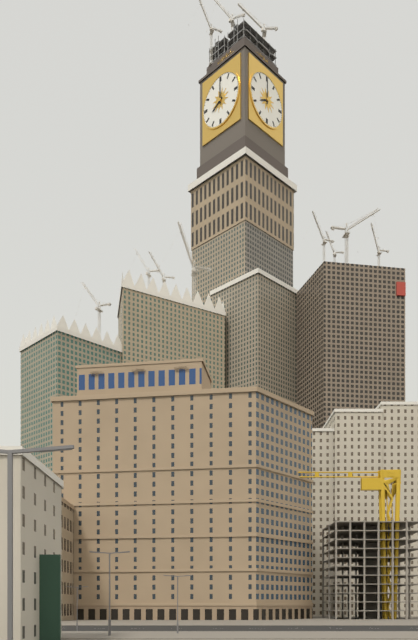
8:00
